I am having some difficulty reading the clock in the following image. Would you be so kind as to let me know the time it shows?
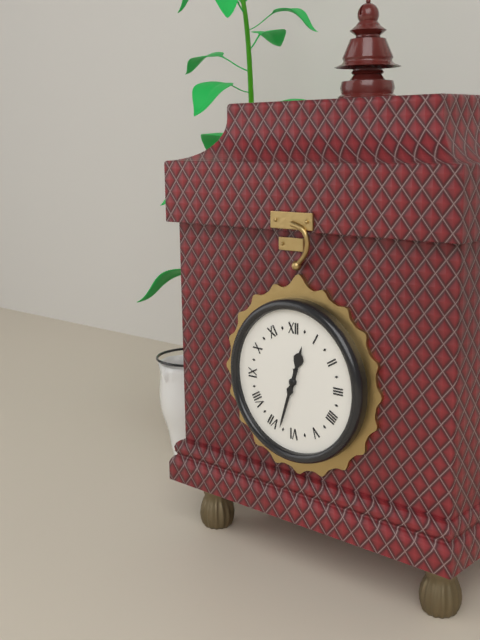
12:33
